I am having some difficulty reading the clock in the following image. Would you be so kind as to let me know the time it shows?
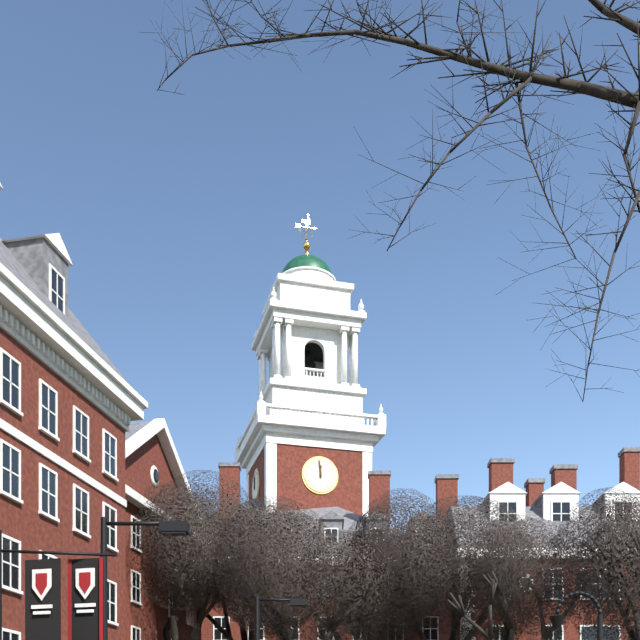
11:59
